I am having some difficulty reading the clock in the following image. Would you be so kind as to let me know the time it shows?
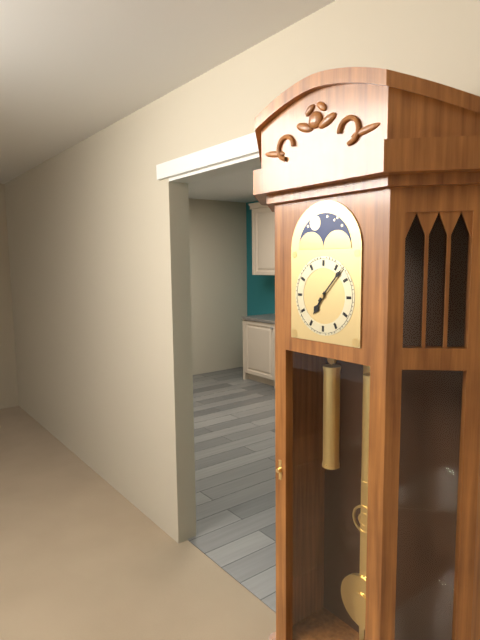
7:07
